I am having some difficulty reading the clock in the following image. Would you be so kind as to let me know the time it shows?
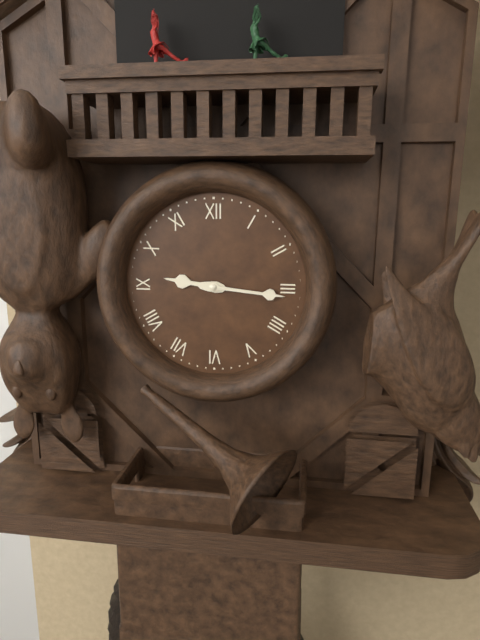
9:16
